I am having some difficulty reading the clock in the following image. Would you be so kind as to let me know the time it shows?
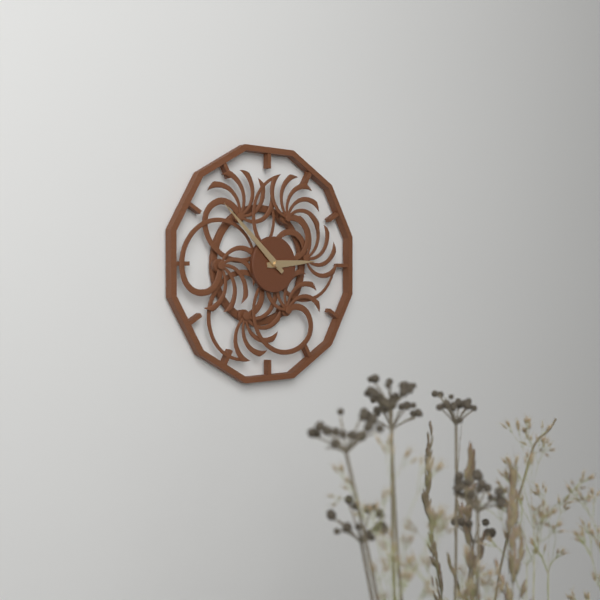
2:52
